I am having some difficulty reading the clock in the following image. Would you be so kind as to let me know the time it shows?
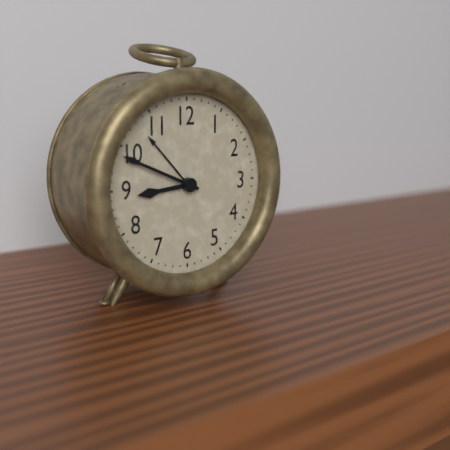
8:49
